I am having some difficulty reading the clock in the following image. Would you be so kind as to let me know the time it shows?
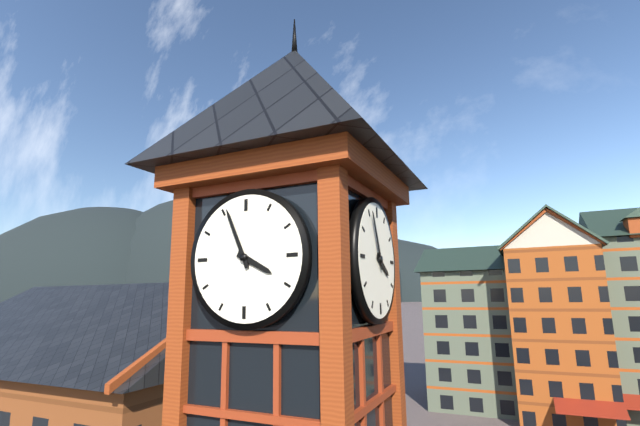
3:56
